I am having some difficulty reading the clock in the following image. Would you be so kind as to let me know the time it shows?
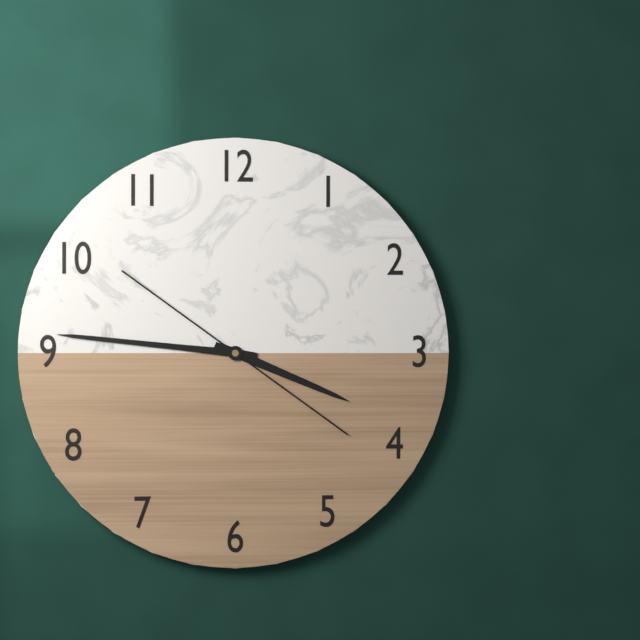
3:46
